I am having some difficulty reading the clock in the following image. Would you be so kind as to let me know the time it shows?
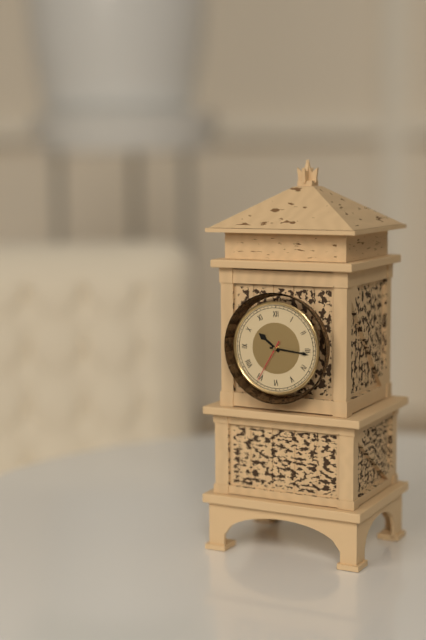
10:16
